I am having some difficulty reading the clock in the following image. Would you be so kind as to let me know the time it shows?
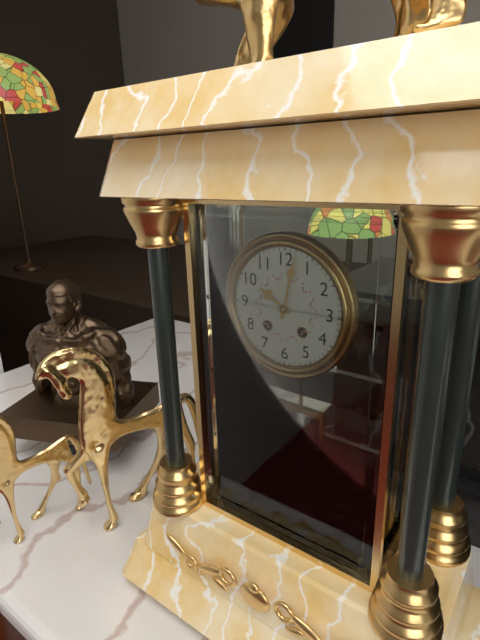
10:02
